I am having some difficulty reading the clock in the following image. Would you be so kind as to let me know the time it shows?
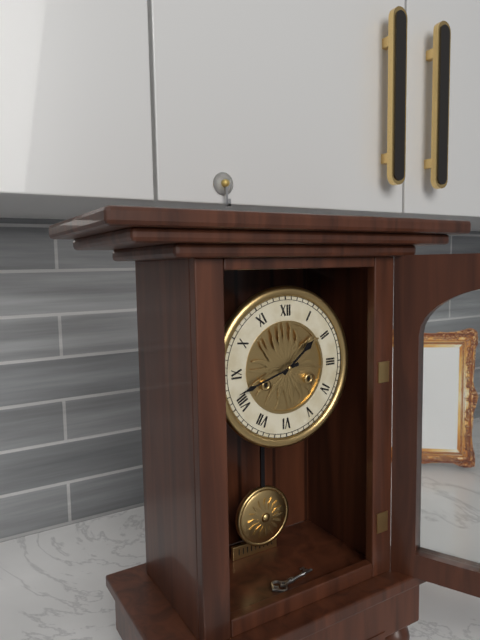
1:42
